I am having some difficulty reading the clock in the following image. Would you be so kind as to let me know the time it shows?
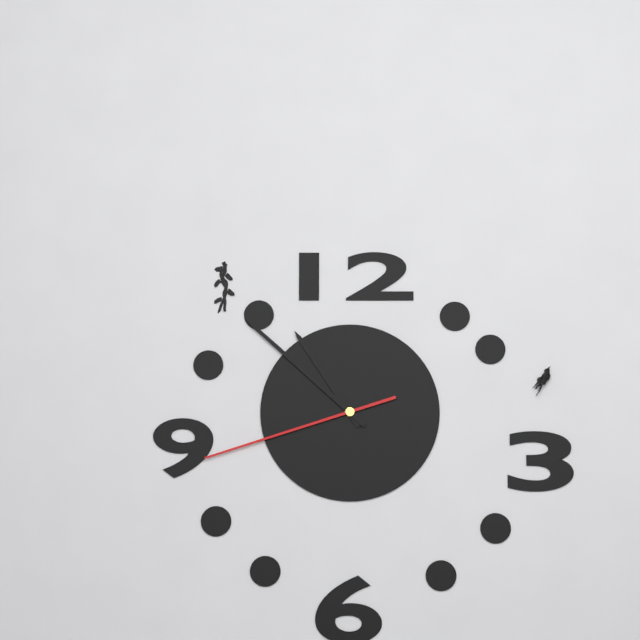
10:52:42
